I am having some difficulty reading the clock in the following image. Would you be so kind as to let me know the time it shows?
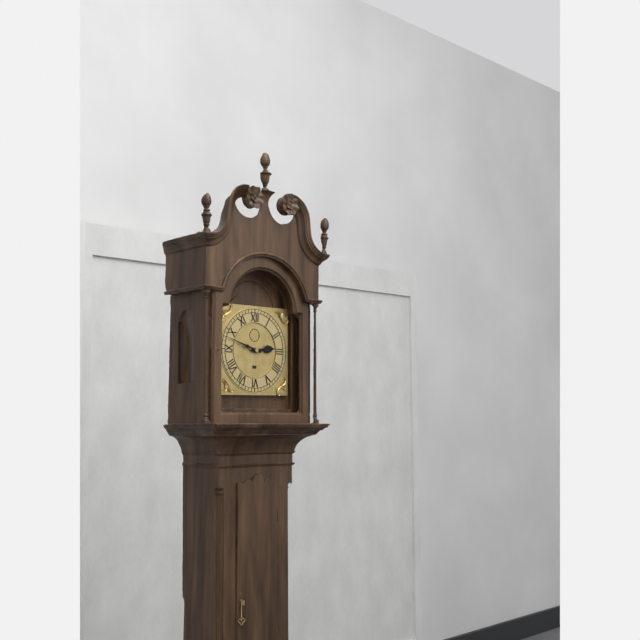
2:48
